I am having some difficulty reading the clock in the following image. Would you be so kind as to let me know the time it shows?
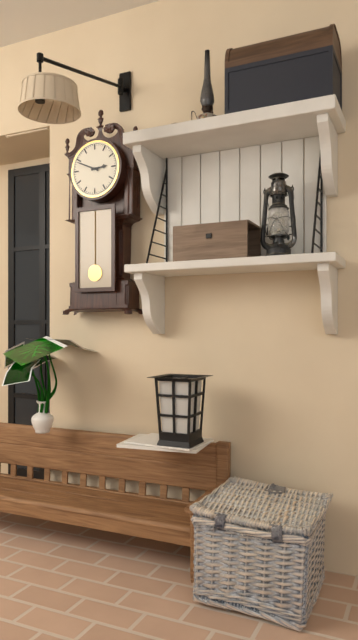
2:49
